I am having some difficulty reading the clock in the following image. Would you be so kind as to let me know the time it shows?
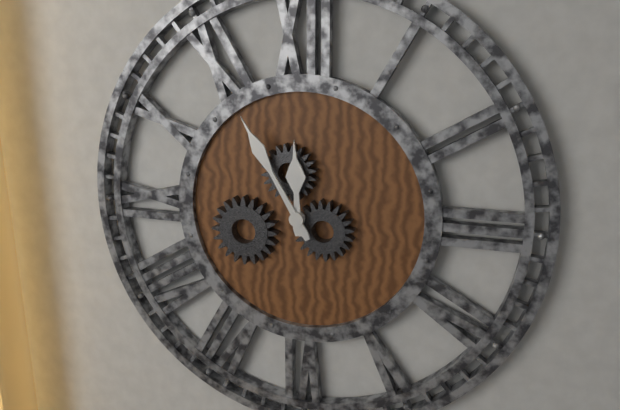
11:55
